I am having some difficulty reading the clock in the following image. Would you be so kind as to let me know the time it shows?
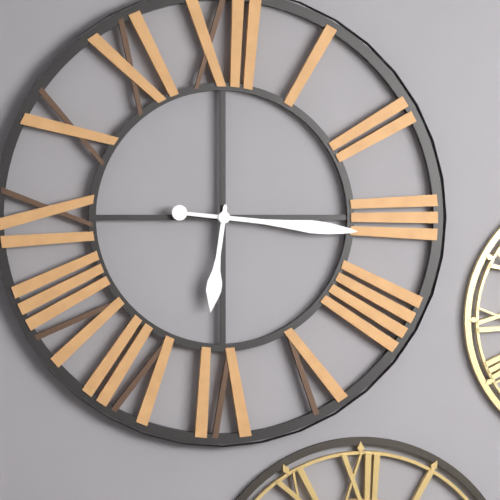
6:16
